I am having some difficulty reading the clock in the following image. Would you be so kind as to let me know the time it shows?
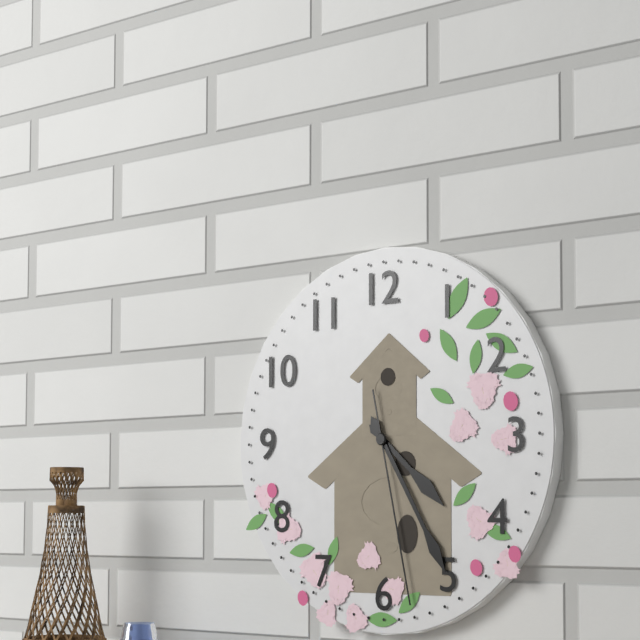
4:25:28
